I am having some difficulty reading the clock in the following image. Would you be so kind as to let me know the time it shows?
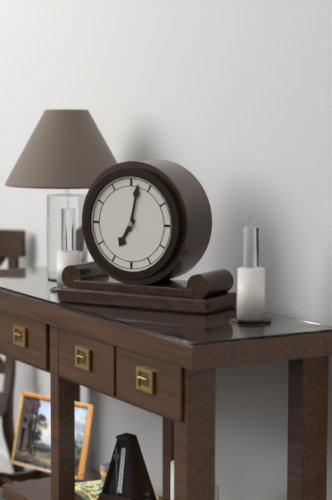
7:02
